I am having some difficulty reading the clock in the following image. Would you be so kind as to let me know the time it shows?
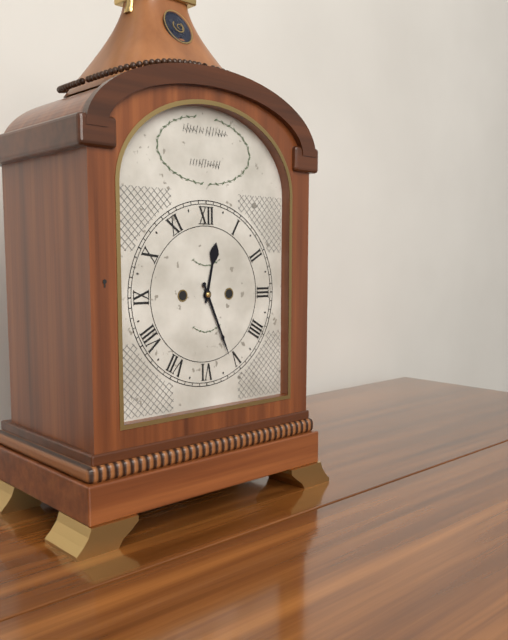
12:26
